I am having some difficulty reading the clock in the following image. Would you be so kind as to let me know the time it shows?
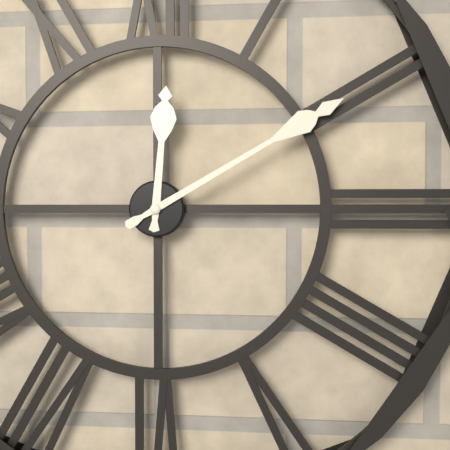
12:10
